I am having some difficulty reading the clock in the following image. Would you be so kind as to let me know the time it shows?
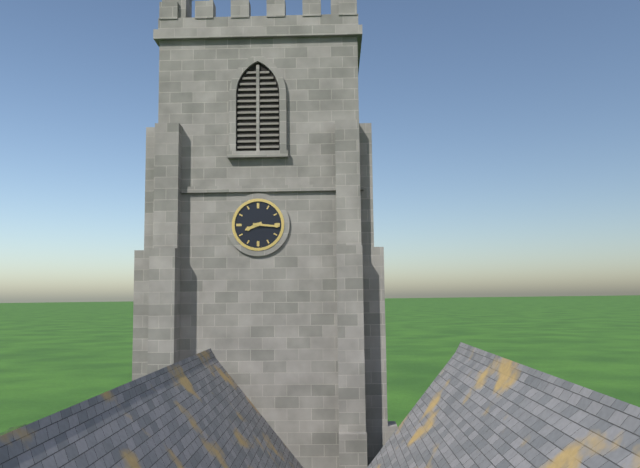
8:16
